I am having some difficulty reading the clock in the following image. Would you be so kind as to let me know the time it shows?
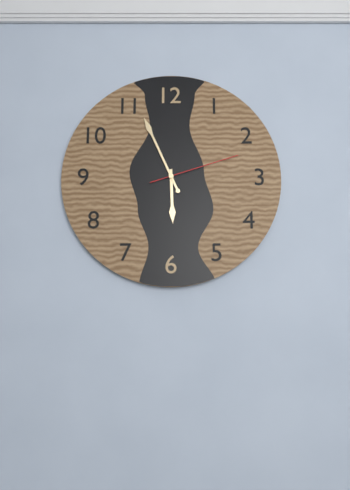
5:56:12
